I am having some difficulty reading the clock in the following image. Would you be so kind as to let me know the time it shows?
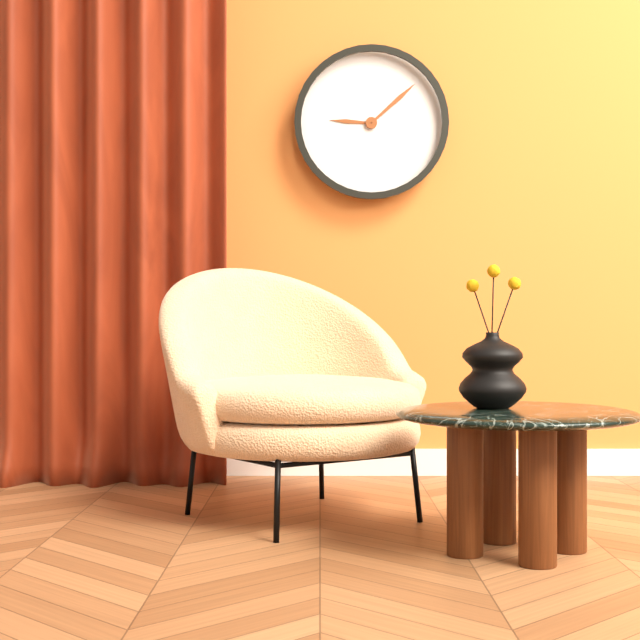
9:08
